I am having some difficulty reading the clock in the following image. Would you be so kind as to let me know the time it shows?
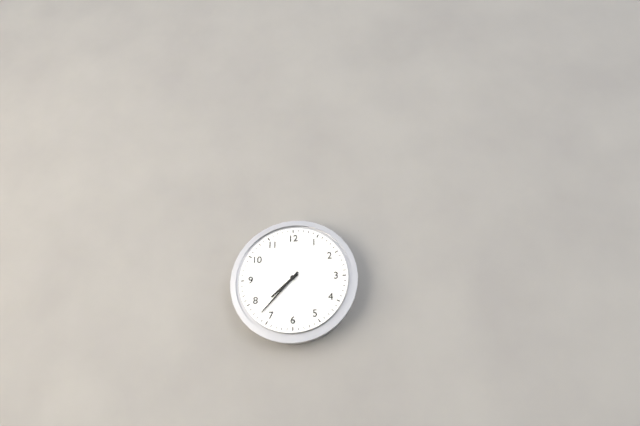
7:37
